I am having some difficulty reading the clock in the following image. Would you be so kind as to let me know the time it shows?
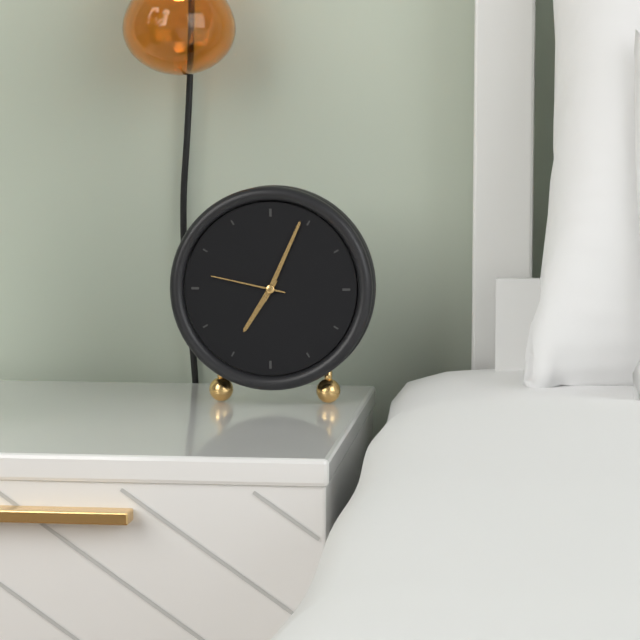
7:04:47
